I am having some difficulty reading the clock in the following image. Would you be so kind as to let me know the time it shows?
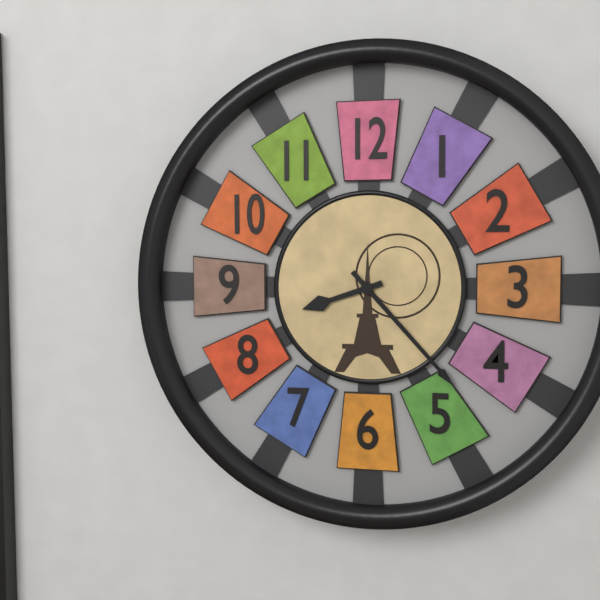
8:23
